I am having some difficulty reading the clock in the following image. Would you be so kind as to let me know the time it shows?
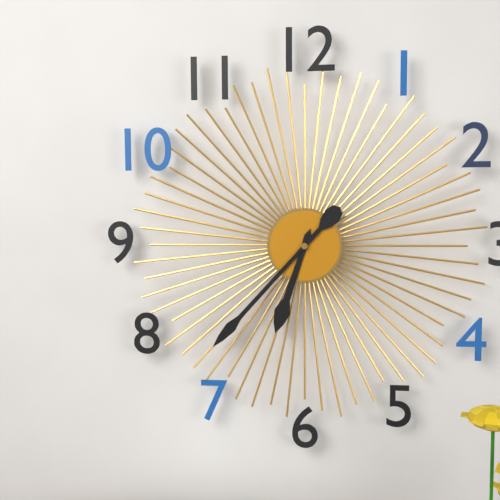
6:37
